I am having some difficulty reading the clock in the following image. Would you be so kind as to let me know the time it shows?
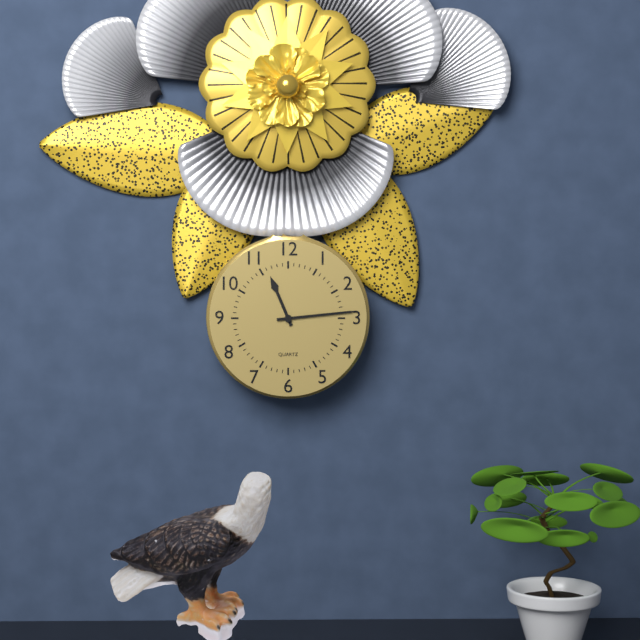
11:14
